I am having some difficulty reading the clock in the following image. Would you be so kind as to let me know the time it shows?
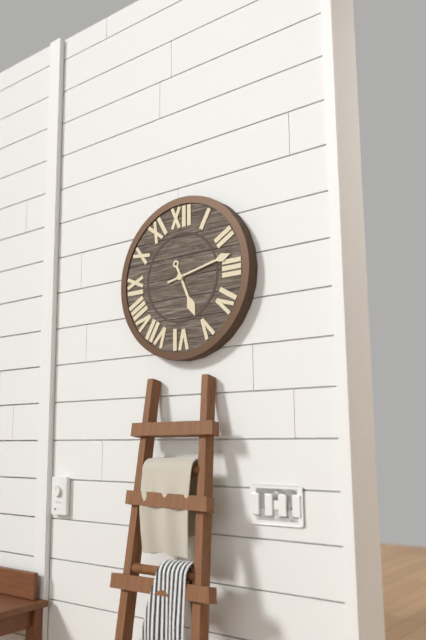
5:13
